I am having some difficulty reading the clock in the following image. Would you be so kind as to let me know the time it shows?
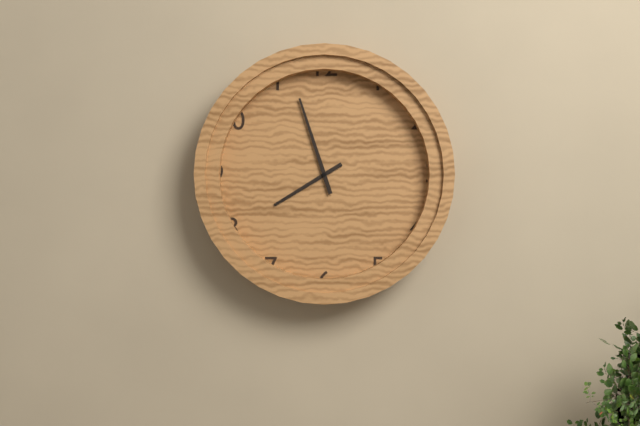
7:57
